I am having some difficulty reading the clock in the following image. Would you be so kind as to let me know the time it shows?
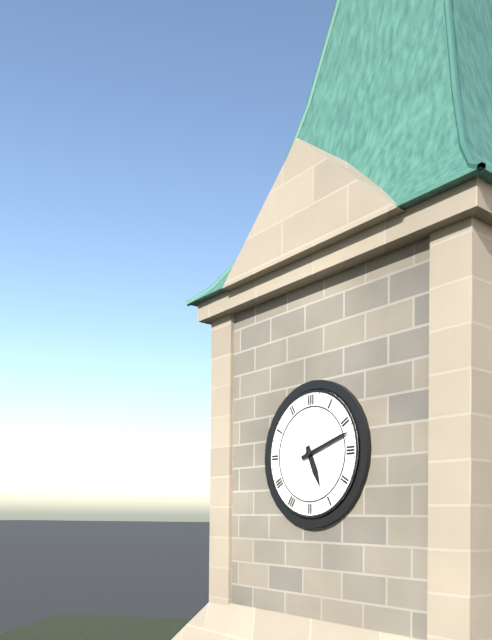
5:12
